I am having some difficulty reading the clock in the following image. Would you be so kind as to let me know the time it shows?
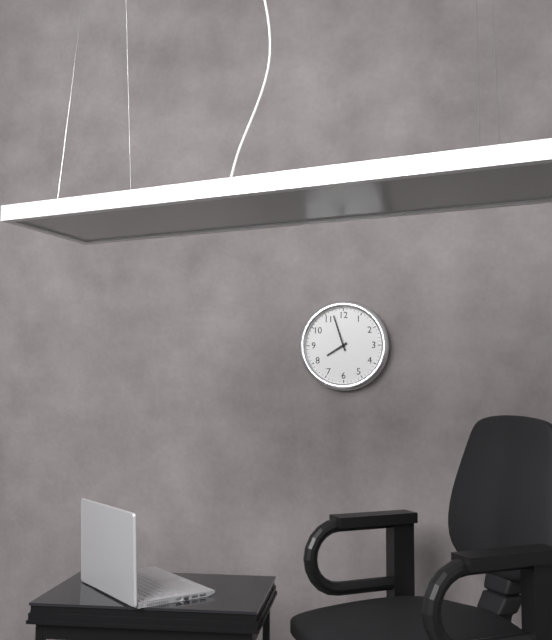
7:57
